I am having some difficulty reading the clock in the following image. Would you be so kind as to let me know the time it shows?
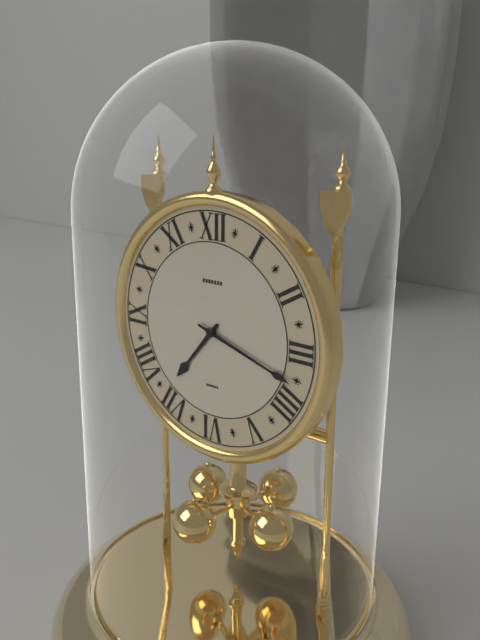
7:18
